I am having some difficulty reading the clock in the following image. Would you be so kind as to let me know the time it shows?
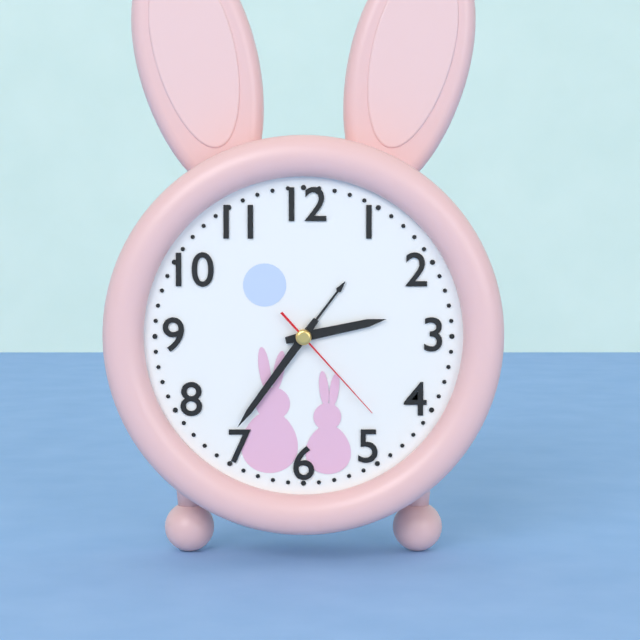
2:36:23
